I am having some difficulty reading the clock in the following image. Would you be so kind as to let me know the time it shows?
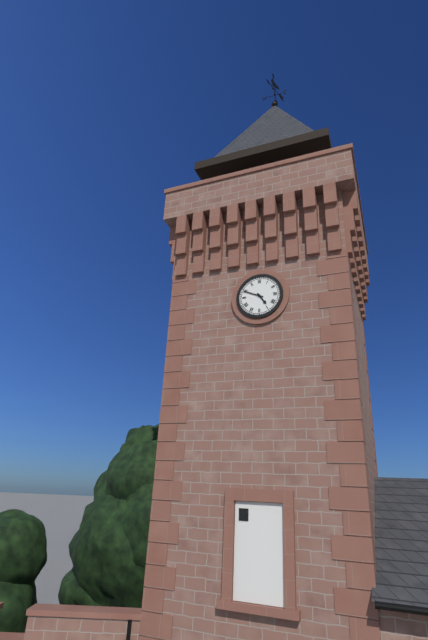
4:49
